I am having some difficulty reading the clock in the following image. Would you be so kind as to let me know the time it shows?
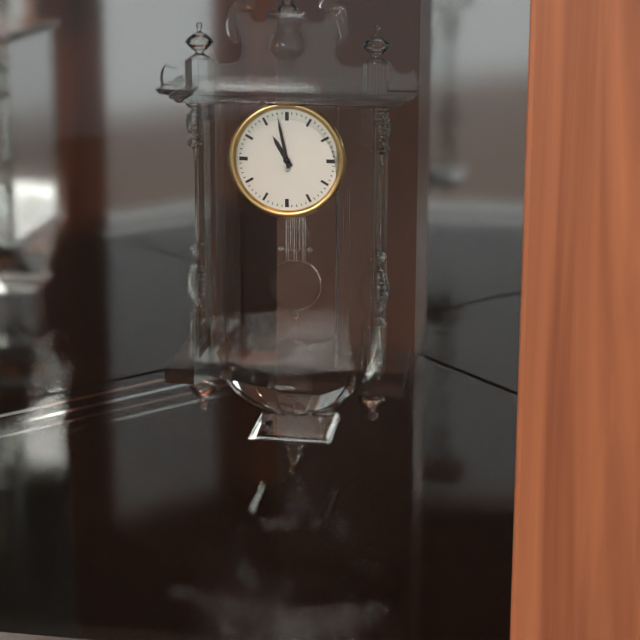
10:58
